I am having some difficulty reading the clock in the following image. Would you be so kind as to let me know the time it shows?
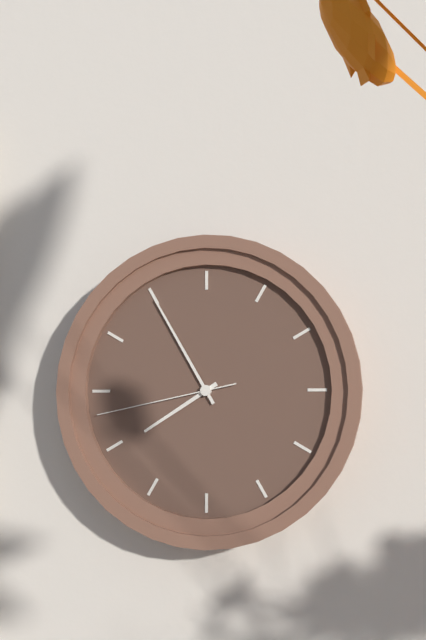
7:55:43
